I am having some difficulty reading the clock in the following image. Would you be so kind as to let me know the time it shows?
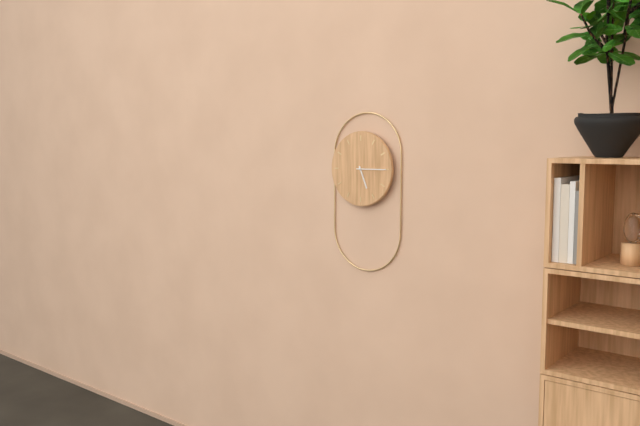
5:15
